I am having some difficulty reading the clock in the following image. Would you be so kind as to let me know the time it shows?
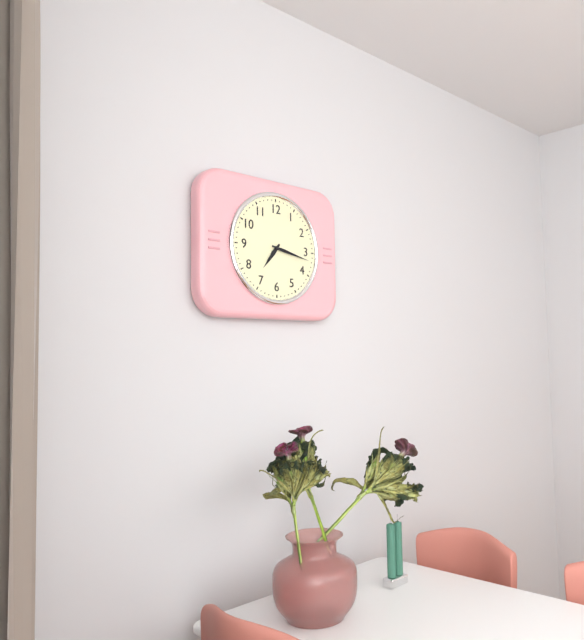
7:17
